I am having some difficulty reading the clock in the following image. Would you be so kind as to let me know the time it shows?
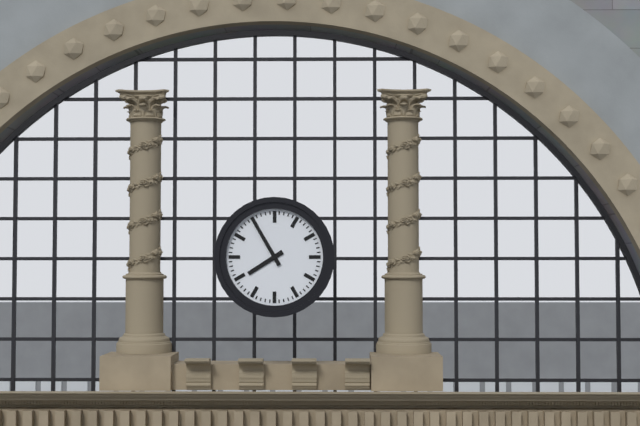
7:55
